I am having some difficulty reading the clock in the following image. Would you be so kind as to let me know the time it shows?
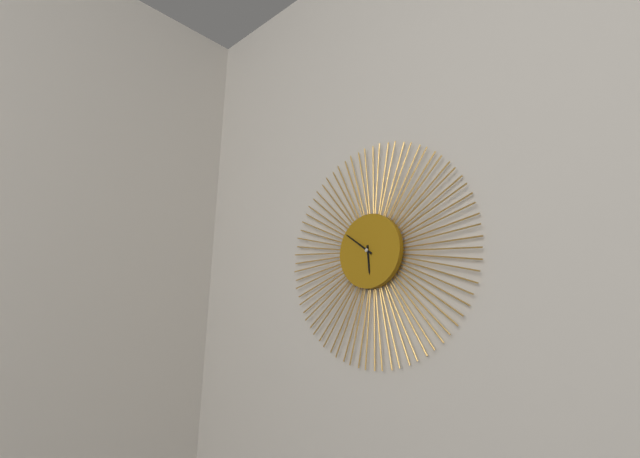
5:51
